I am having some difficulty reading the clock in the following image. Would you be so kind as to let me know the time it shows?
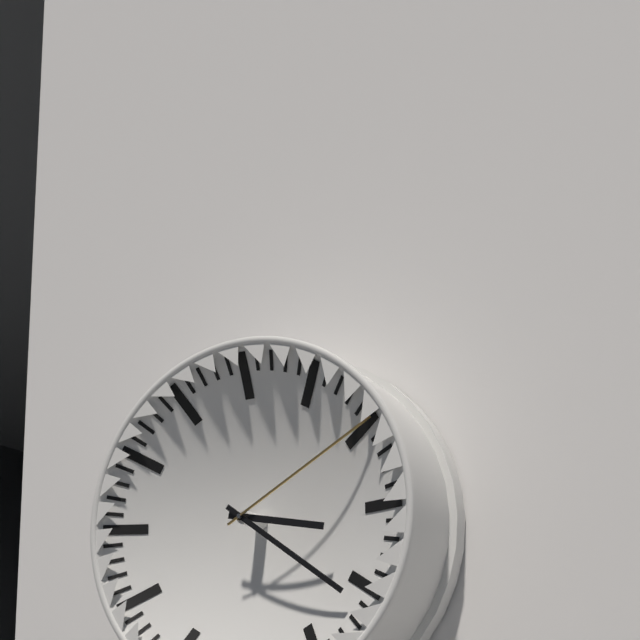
3:21:10
